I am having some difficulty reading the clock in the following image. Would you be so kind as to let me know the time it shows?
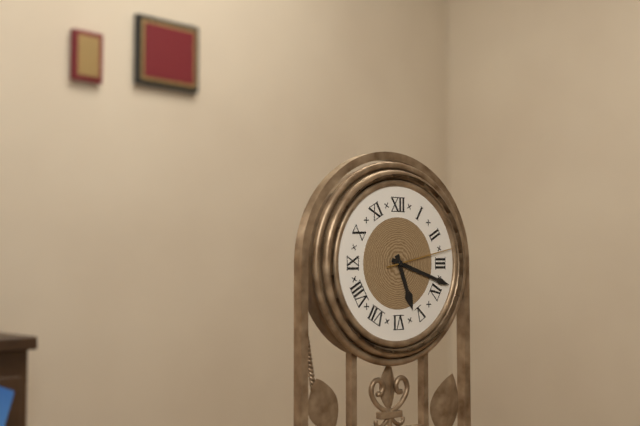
5:18:13
